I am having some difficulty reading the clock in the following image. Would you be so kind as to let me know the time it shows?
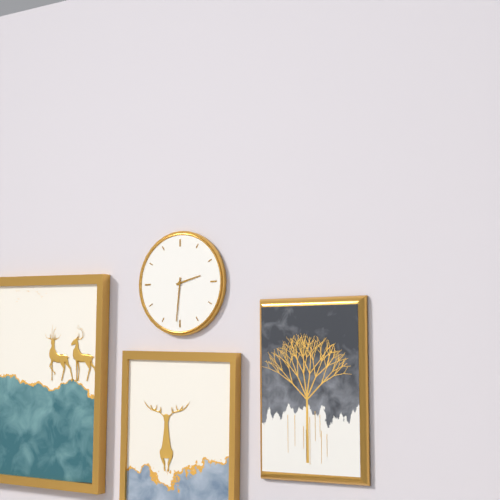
2:31
